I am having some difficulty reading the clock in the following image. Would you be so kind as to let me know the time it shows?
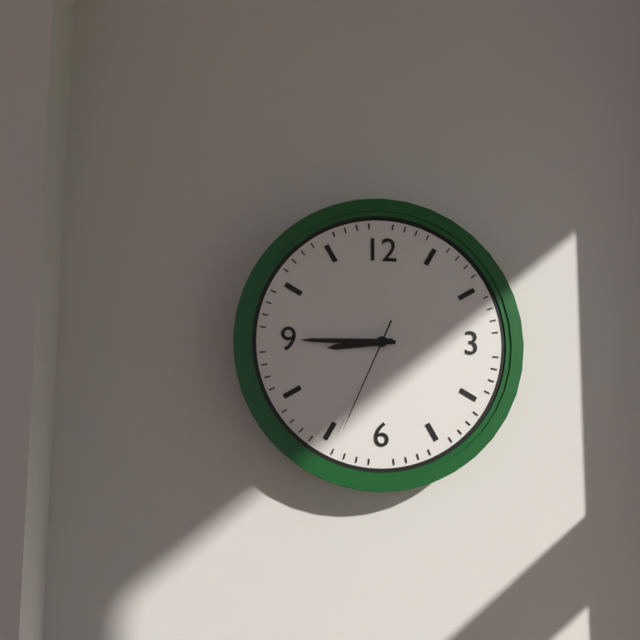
8:45:34
